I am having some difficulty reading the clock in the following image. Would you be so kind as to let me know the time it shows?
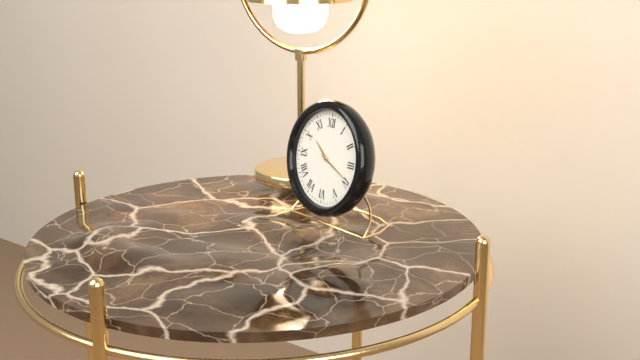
10:19
